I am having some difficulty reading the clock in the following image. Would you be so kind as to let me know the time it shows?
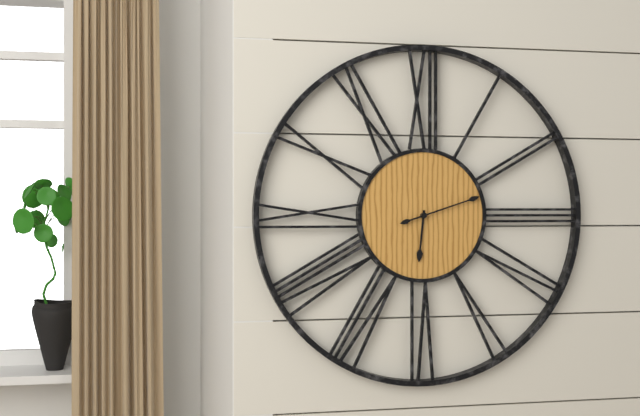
6:12
